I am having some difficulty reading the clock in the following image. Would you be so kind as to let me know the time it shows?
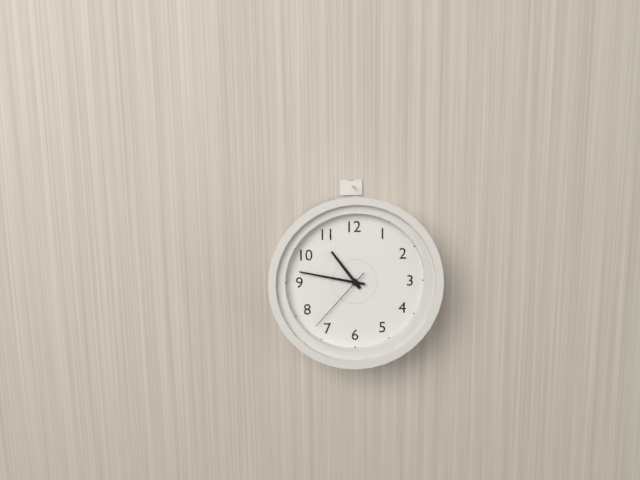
10:47:37
